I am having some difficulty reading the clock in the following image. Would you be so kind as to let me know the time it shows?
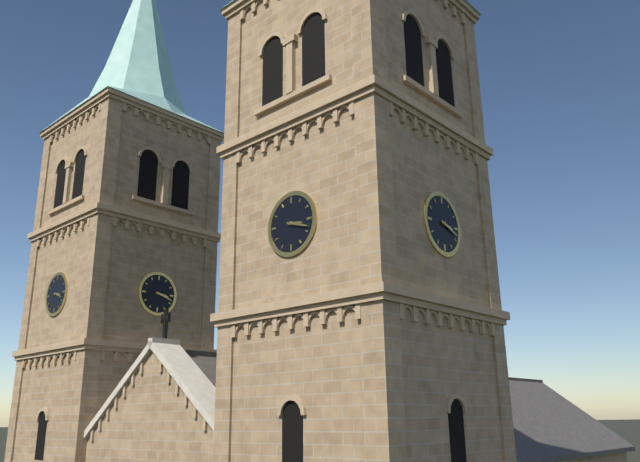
3:18
